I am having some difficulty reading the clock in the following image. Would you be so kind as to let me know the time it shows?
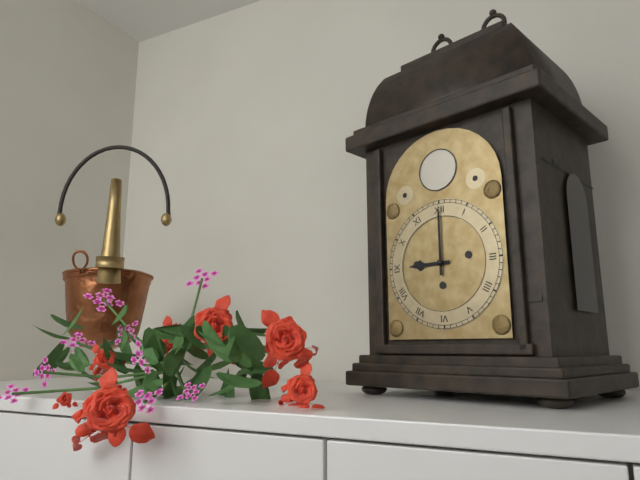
9:00
